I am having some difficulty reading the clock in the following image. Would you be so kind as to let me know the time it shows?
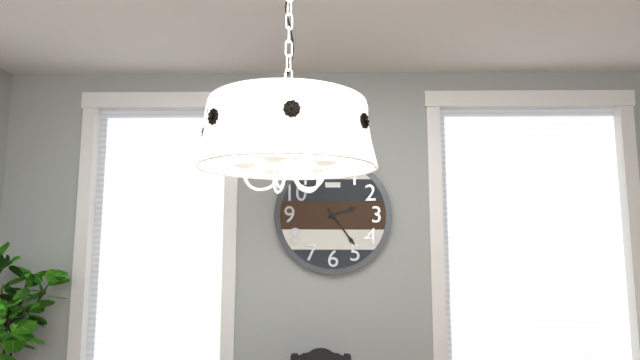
2:24
